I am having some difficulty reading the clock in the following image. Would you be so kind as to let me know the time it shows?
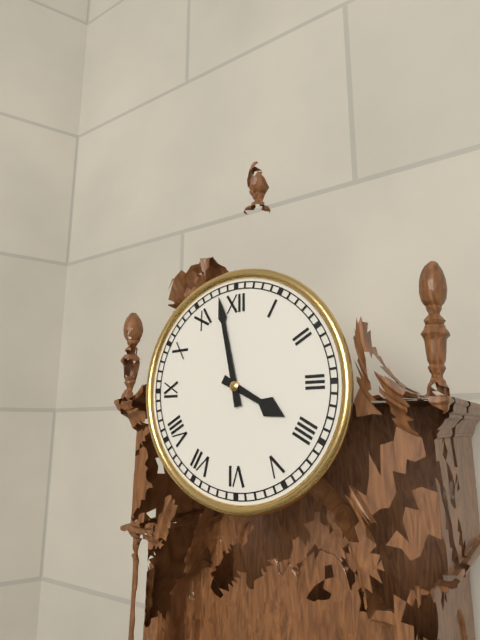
3:58
